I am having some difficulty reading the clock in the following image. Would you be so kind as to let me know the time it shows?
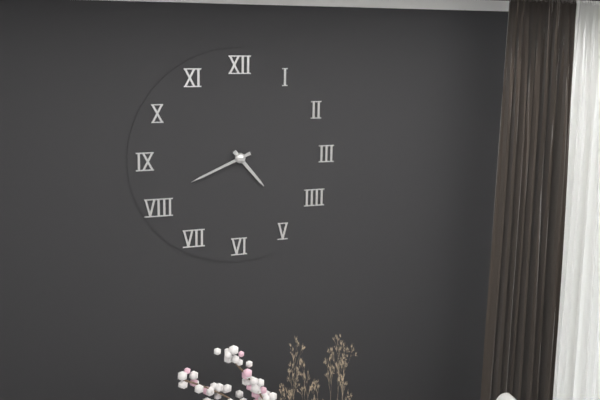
4:41
